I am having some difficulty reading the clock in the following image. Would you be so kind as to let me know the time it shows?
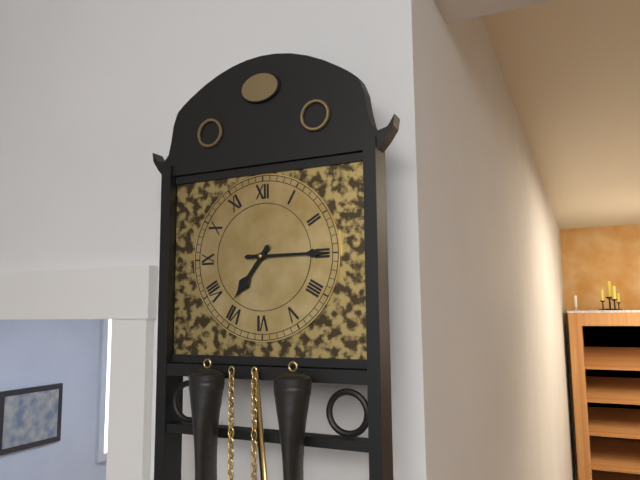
7:15
